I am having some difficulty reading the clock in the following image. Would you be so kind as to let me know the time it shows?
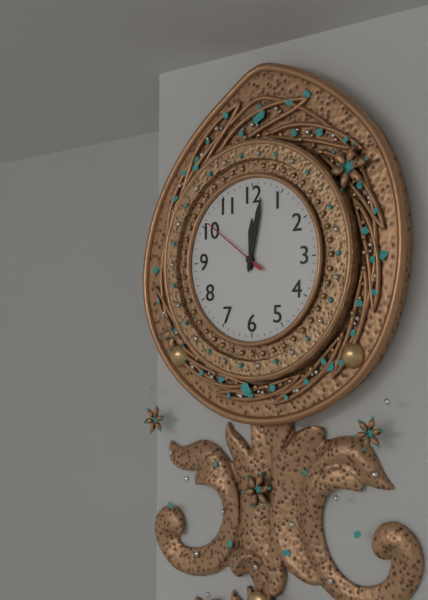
12:02:51
